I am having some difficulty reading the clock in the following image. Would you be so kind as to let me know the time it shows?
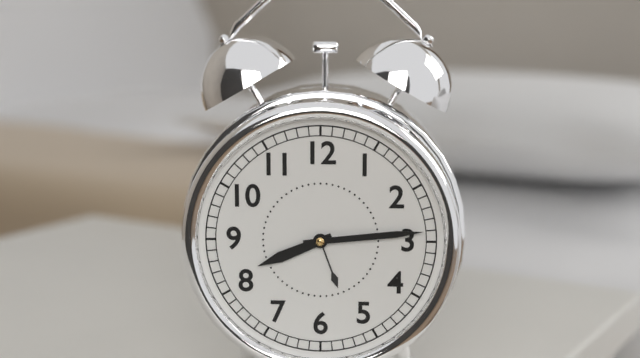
8:14
